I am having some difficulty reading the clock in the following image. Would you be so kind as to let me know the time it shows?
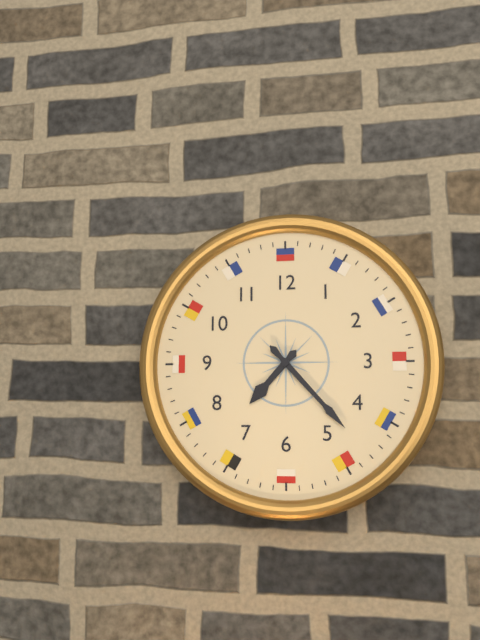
7:23
